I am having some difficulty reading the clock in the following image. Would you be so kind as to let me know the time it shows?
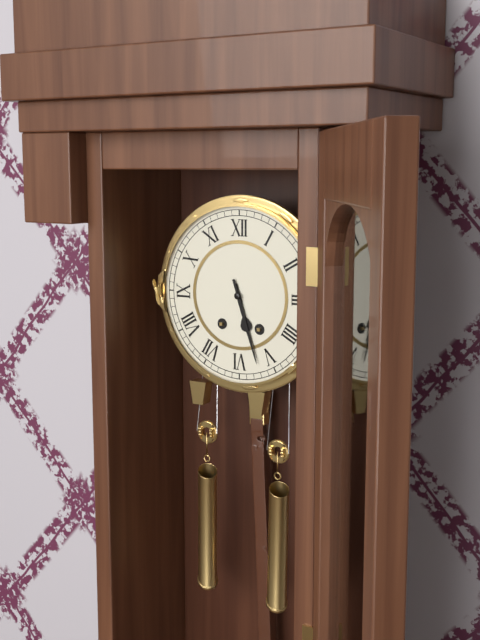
5:27
